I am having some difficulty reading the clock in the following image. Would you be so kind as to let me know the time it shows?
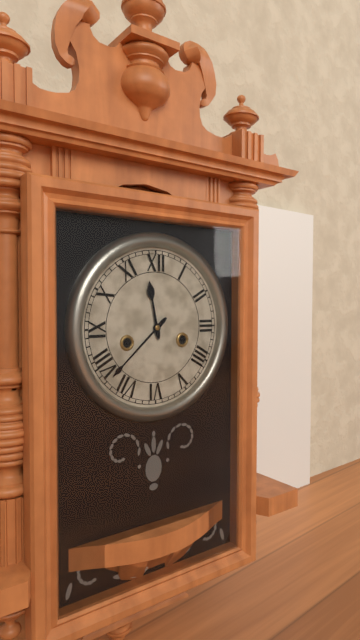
11:38
